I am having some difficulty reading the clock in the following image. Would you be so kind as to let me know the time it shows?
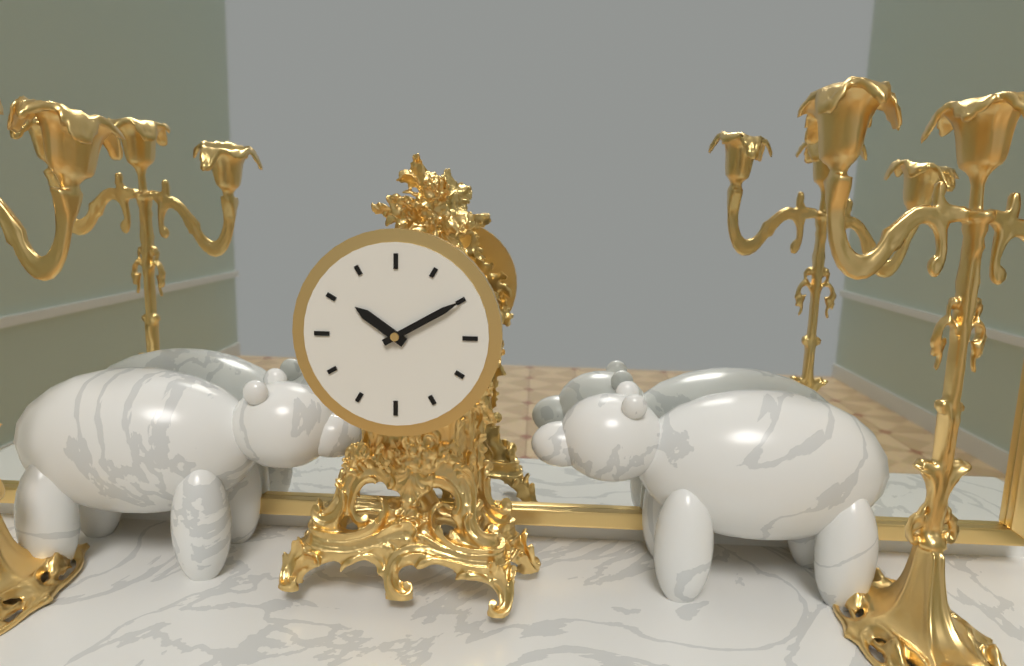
10:10
